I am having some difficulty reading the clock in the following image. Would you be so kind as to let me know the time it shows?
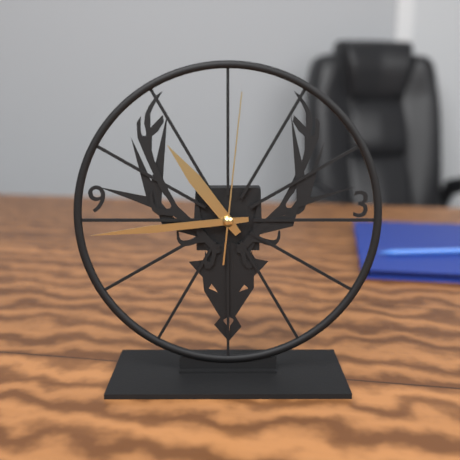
10:44:01
